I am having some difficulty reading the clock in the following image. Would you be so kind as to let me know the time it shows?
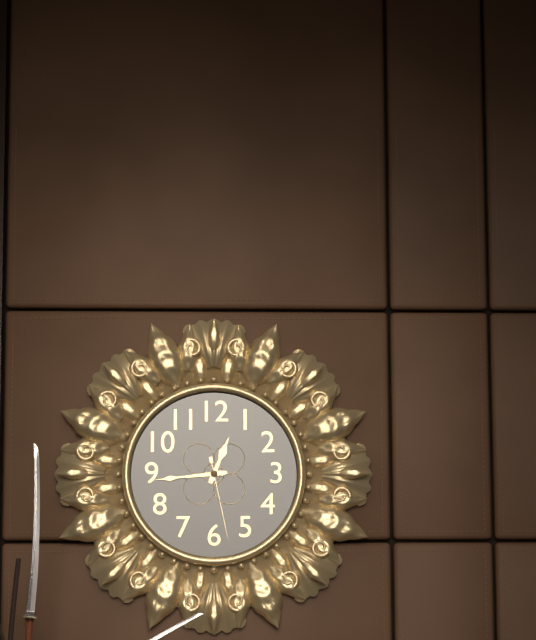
12:44:28
